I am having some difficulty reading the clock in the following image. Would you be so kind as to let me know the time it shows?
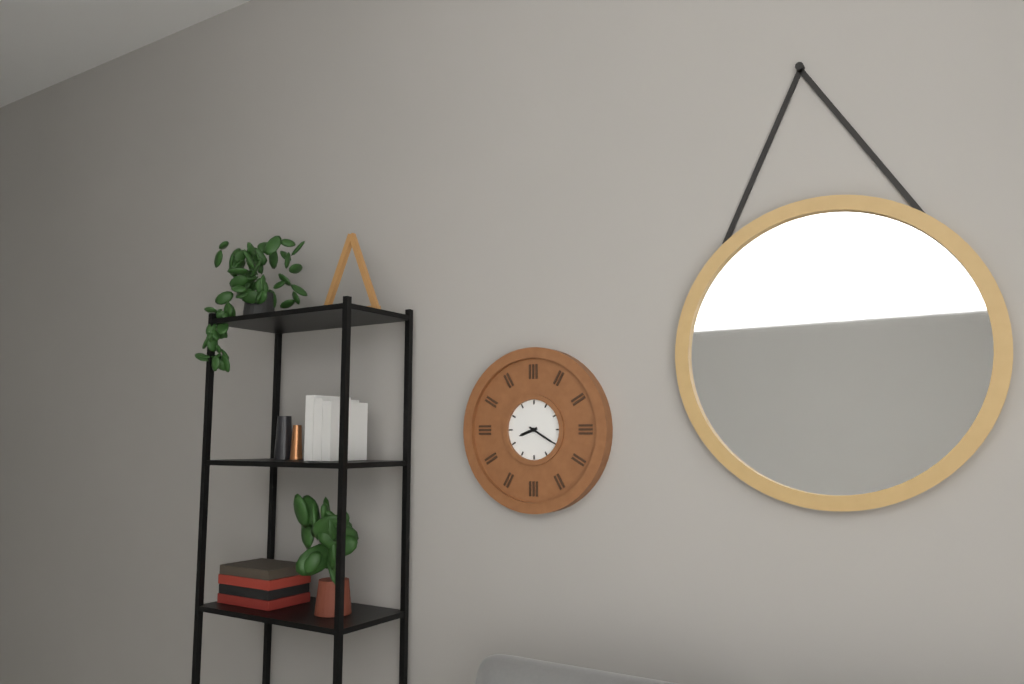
8:20
